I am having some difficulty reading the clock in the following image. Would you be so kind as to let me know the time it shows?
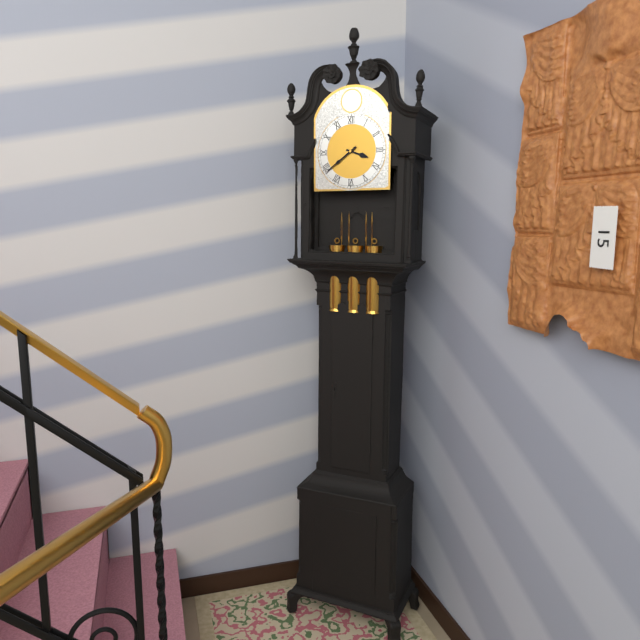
3:39
